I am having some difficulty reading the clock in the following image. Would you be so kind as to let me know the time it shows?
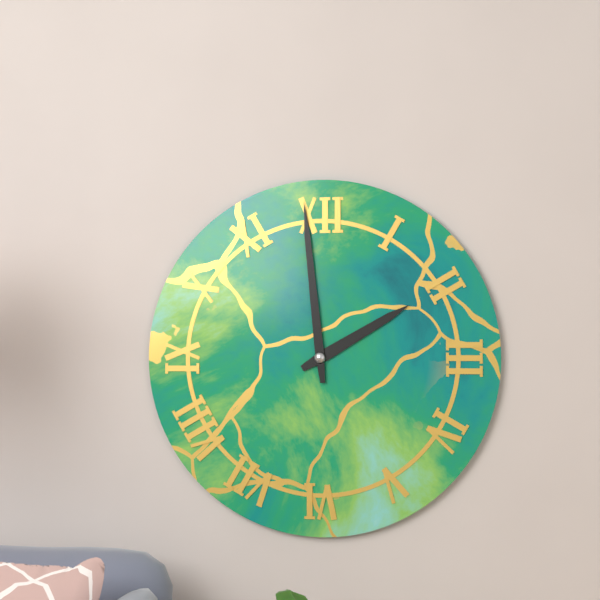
1:59
